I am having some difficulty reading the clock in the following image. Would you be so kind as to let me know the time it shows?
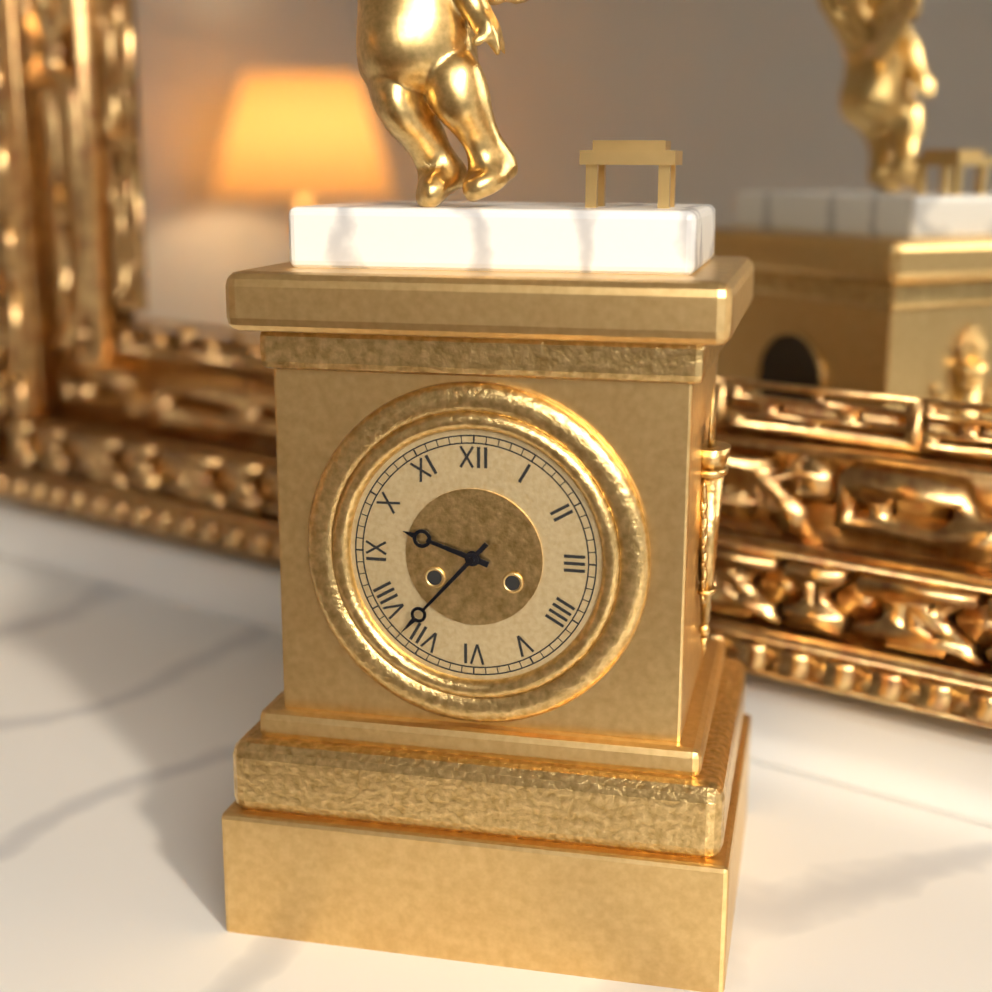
9:37
